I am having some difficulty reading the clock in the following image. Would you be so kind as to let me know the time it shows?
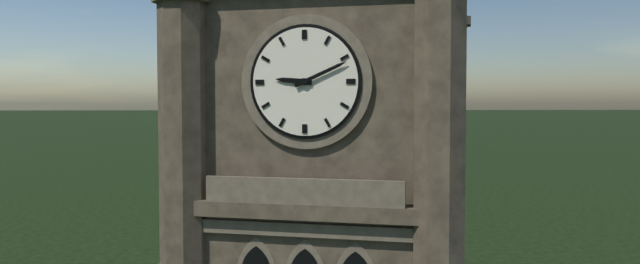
9:11
